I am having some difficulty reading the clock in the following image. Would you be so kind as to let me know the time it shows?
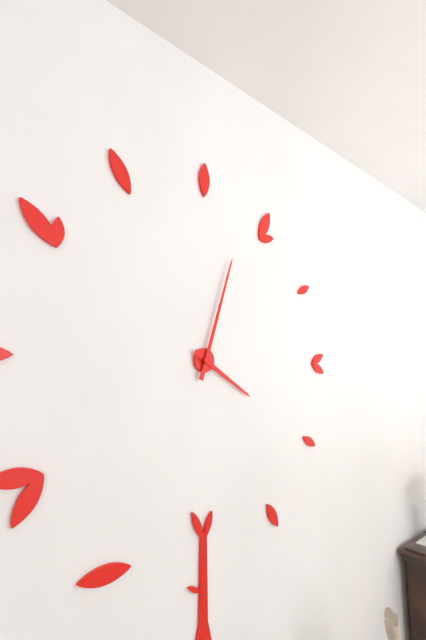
4:03
